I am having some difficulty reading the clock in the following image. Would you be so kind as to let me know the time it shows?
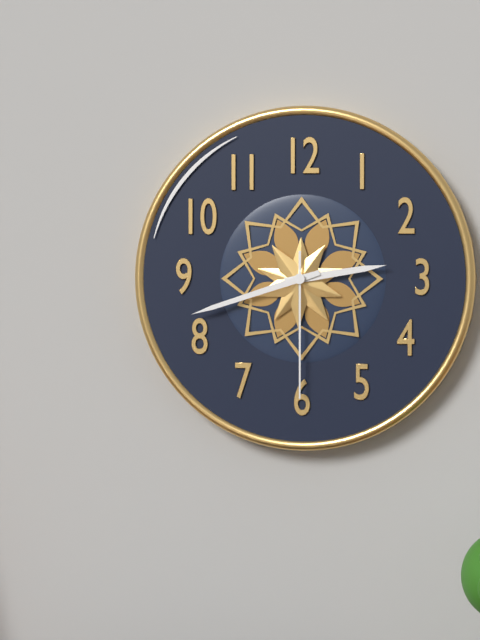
2:42:30
